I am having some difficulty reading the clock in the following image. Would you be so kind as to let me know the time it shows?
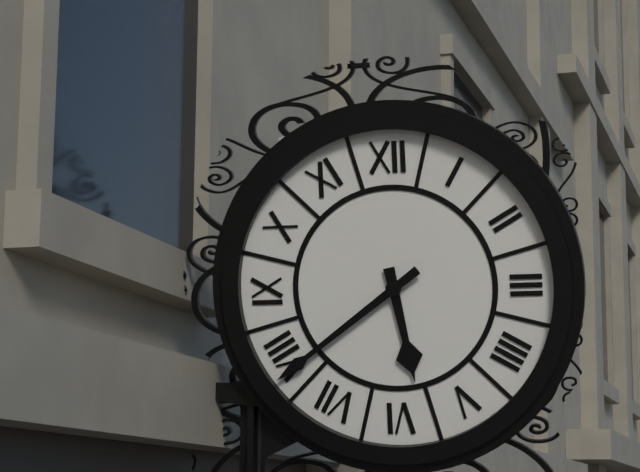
5:39
